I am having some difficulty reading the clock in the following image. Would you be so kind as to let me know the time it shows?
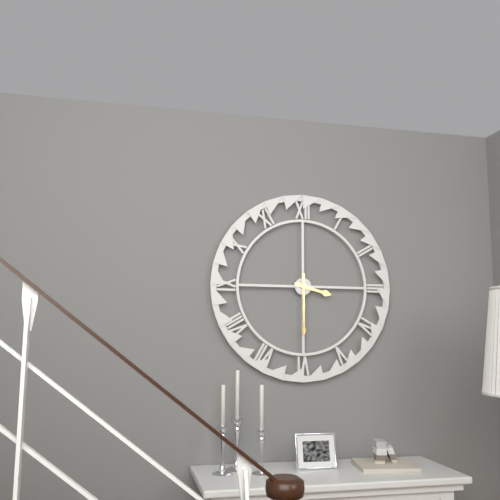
3:30
